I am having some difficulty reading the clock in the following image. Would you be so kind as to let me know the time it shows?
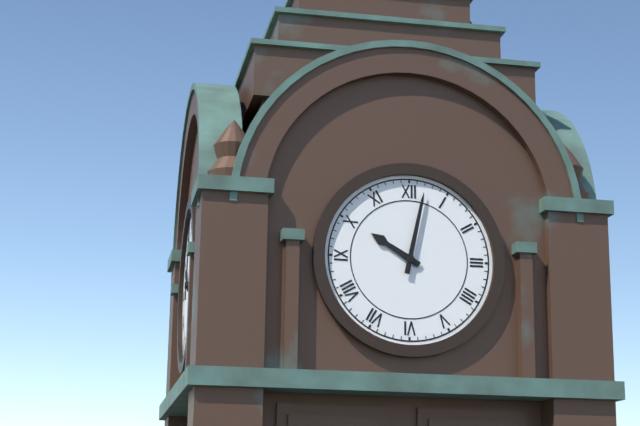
10:02
